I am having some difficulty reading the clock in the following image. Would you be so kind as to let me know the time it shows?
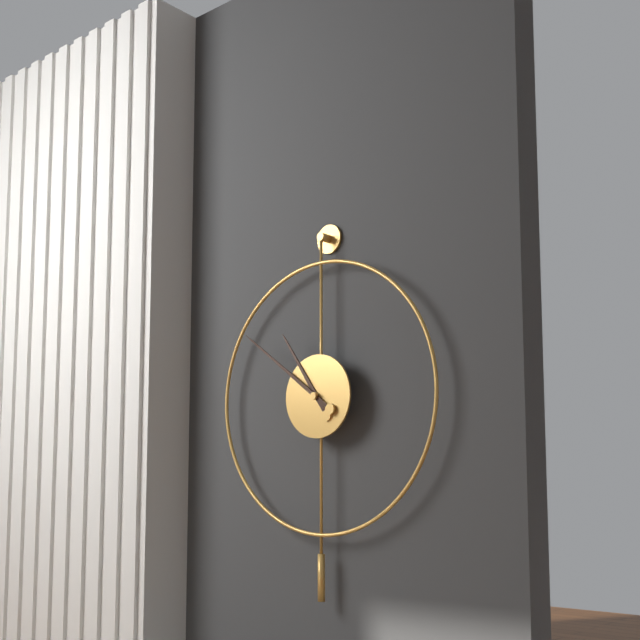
10:51
